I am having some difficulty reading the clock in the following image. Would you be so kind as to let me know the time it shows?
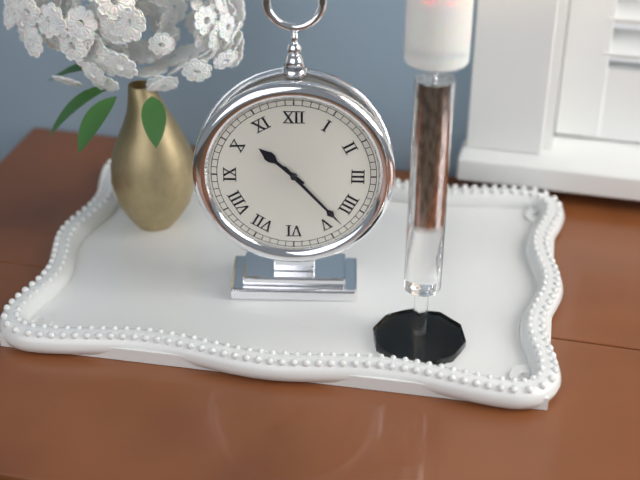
10:23
